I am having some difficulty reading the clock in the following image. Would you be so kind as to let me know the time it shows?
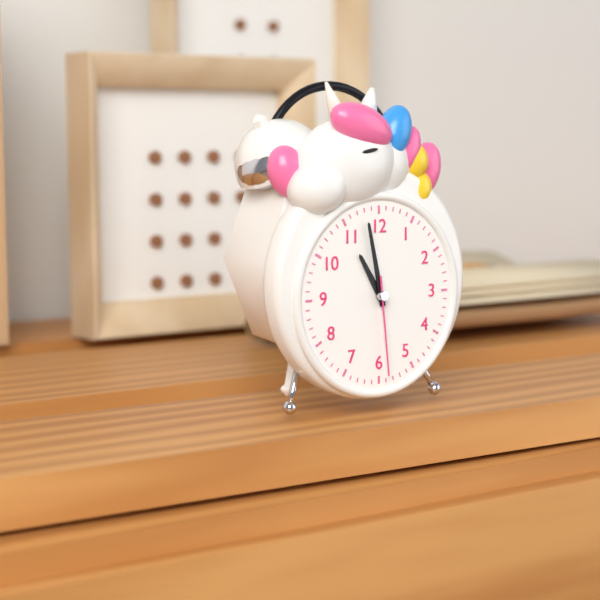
10:58:29
